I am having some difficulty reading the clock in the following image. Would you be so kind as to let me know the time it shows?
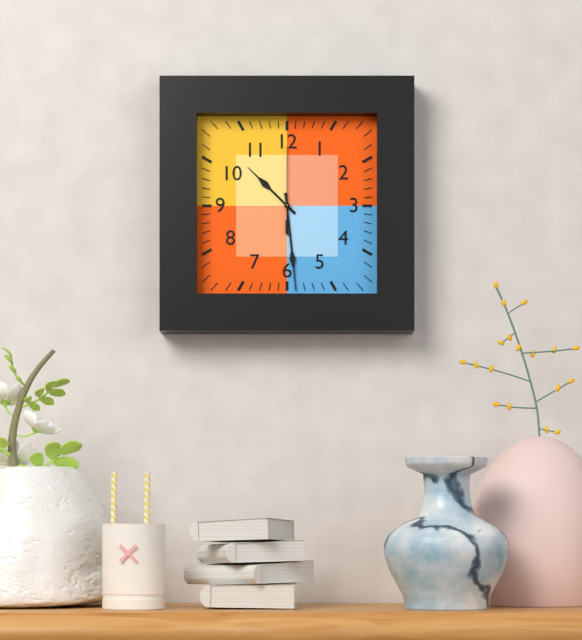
10:29:00
